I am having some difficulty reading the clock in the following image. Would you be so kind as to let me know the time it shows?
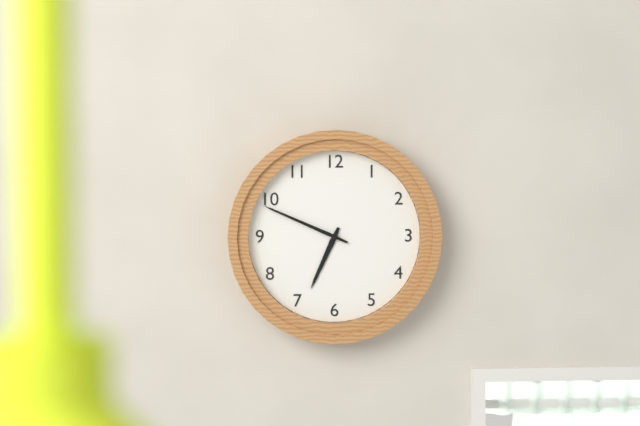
6:49
